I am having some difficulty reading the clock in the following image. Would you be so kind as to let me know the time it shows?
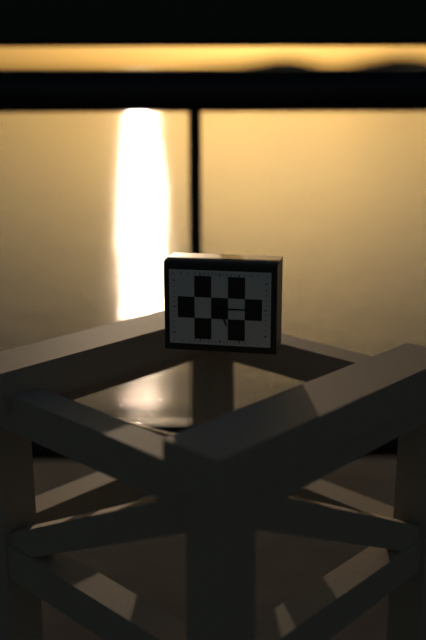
5:15
